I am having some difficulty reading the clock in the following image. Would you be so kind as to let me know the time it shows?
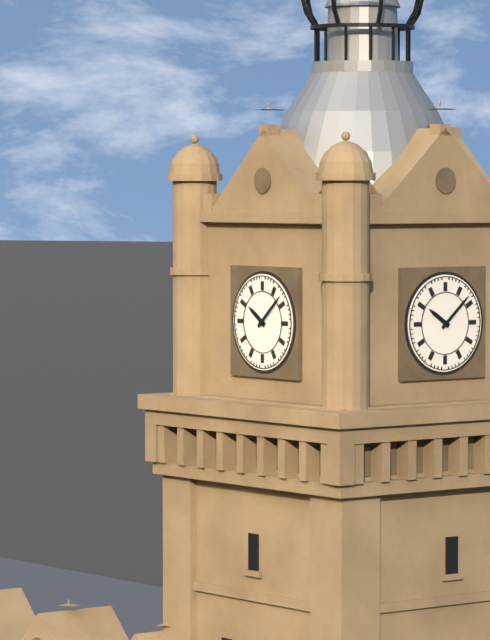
10:08
